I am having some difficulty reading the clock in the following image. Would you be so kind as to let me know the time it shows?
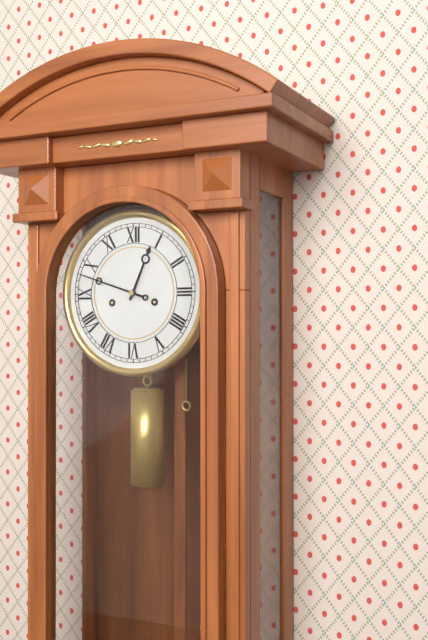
12:48
